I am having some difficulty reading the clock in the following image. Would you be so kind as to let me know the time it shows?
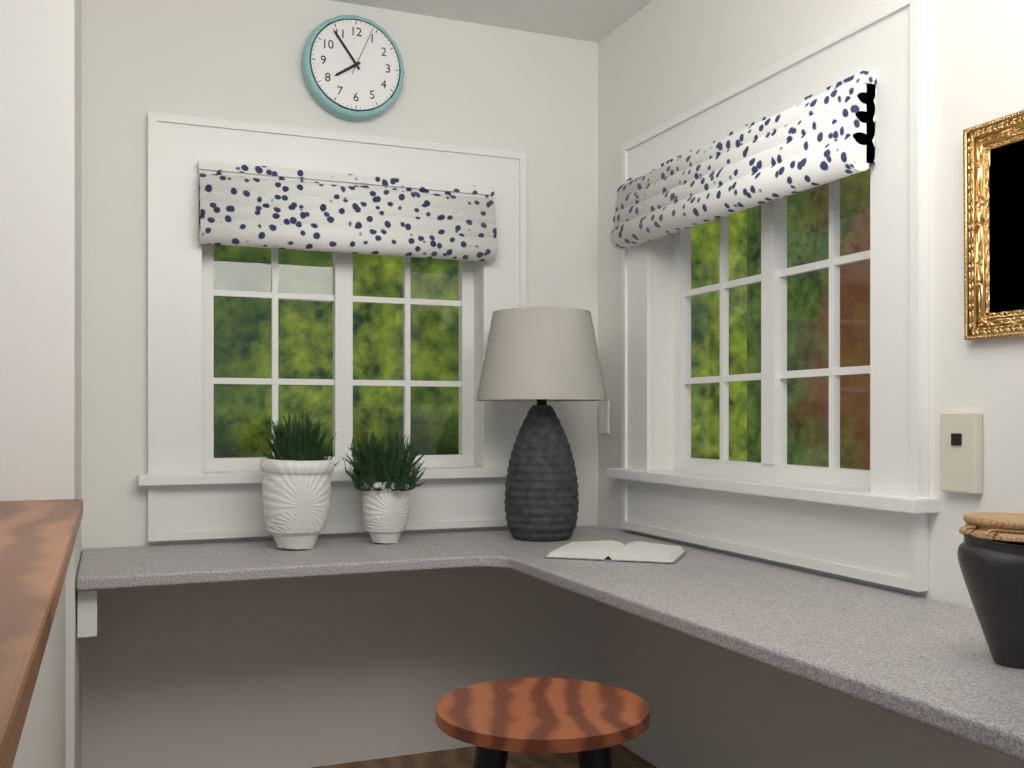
7:54
